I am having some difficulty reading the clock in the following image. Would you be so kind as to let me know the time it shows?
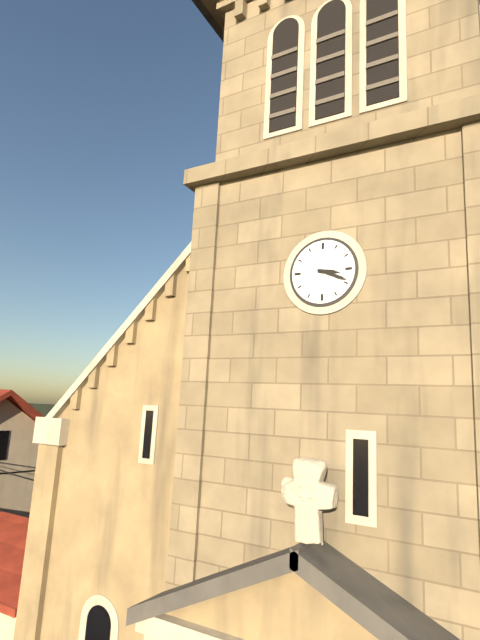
3:19
